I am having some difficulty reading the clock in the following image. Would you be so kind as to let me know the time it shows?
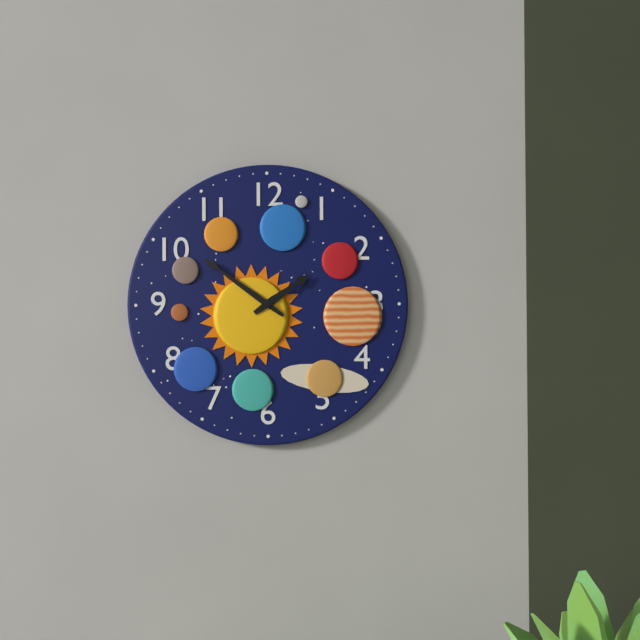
1:51
